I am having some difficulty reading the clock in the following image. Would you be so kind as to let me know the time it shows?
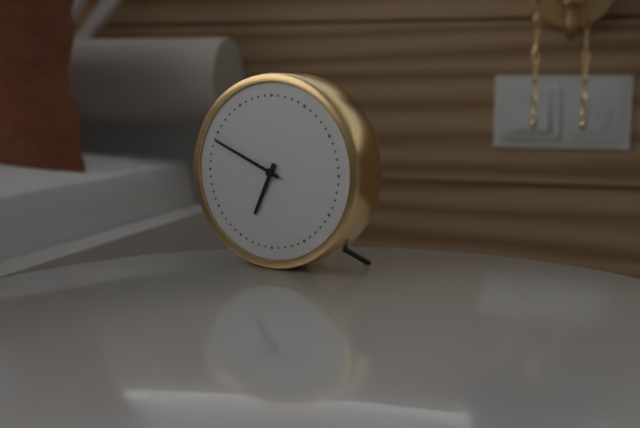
6:49
